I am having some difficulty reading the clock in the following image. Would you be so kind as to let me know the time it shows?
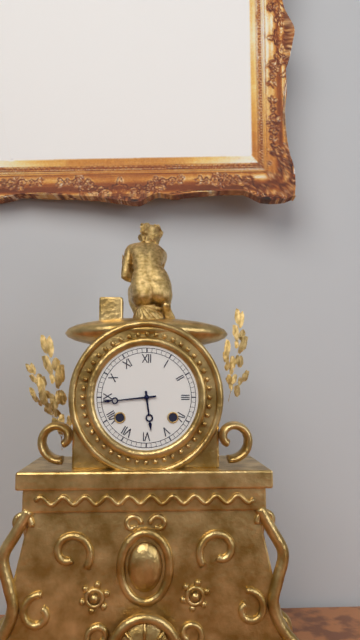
5:44
